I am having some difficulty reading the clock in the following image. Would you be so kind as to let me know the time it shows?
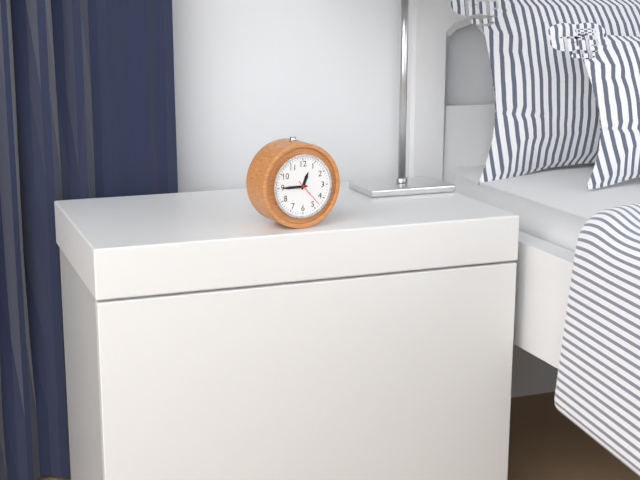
12:45
